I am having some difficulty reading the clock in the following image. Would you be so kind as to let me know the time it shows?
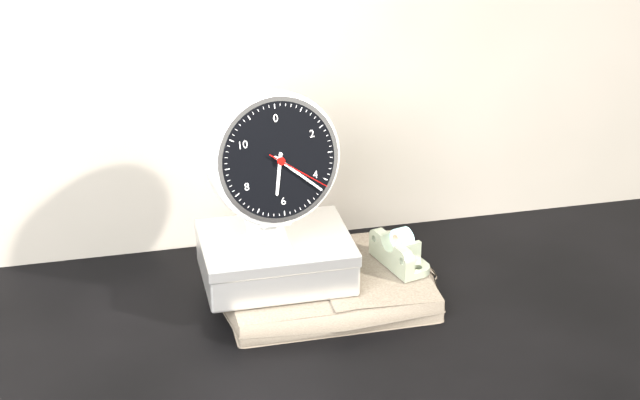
6:22:21
